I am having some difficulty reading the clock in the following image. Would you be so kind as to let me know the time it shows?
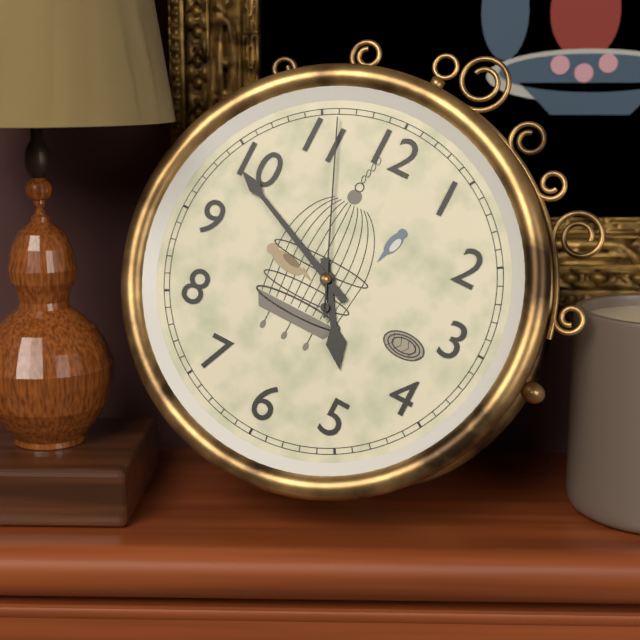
4:49:56
